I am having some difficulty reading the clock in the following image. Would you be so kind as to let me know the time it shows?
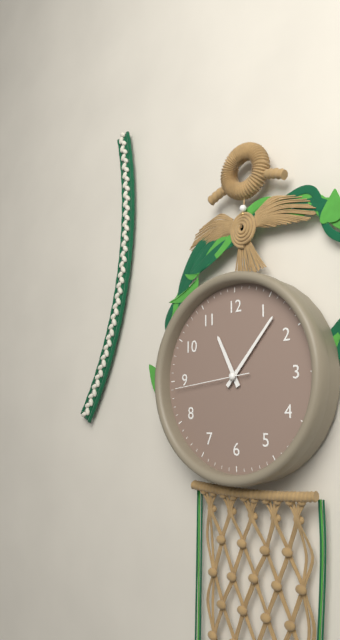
11:07:44
